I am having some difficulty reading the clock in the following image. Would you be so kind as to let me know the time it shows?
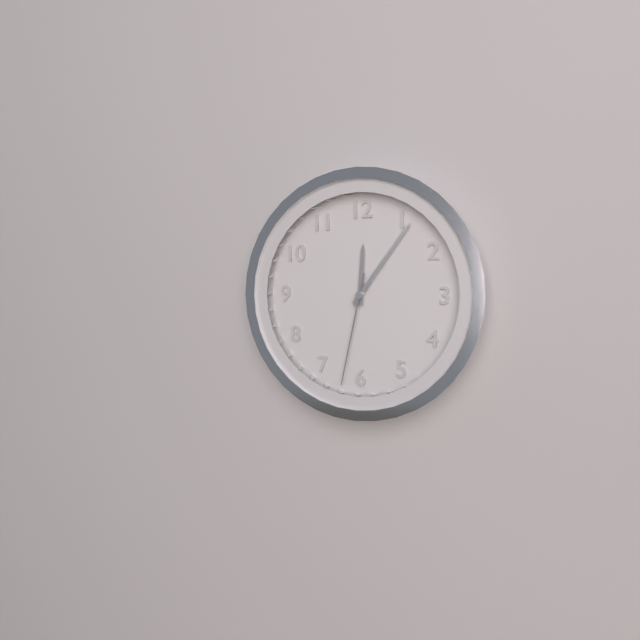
12:06:32
